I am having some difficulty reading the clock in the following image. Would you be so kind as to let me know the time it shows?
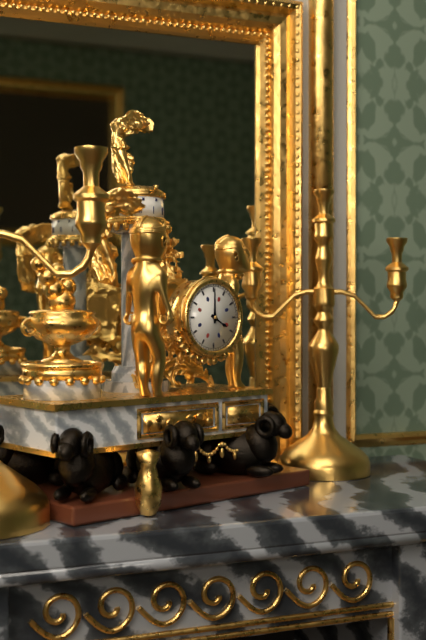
4:00
